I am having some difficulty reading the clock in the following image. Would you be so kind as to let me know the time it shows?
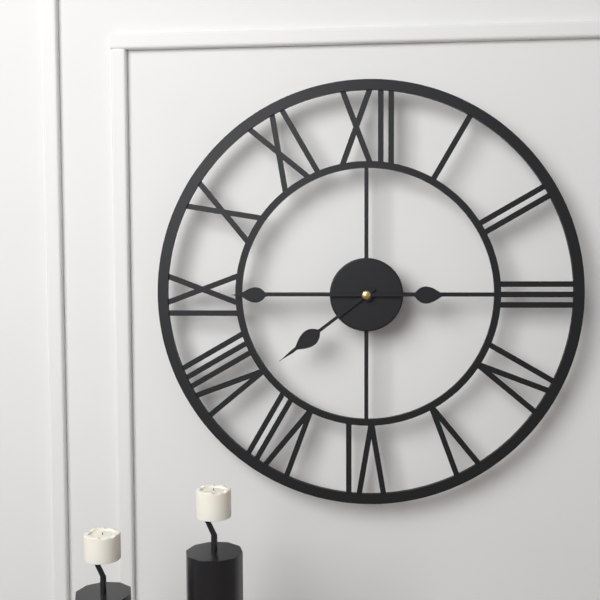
7:45
